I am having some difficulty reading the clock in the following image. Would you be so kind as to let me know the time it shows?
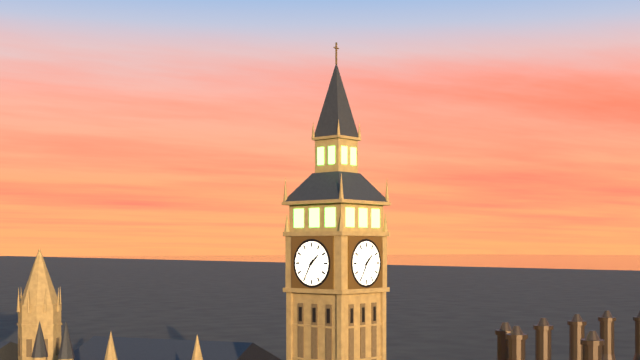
1:35
